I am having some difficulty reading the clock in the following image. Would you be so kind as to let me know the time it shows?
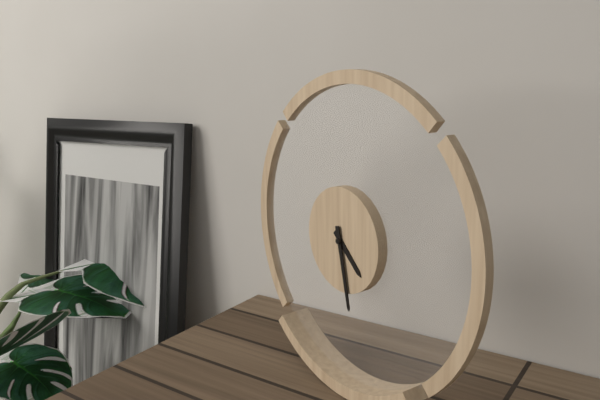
4:28
